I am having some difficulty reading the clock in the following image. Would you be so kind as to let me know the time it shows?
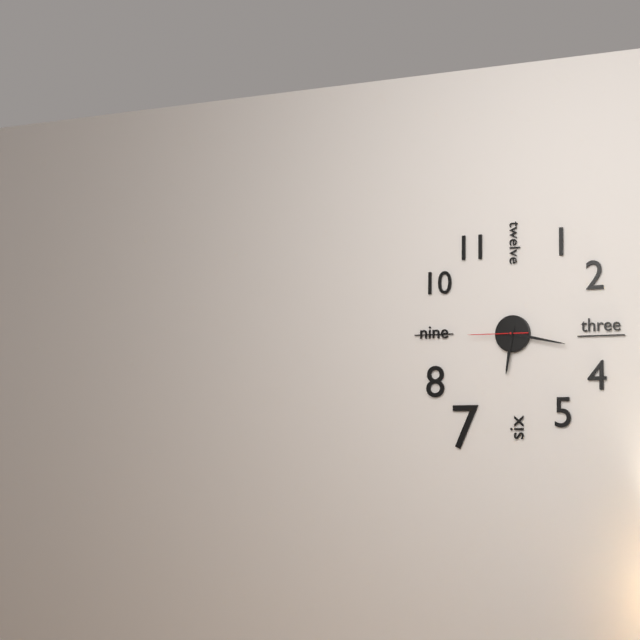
6:17:45
